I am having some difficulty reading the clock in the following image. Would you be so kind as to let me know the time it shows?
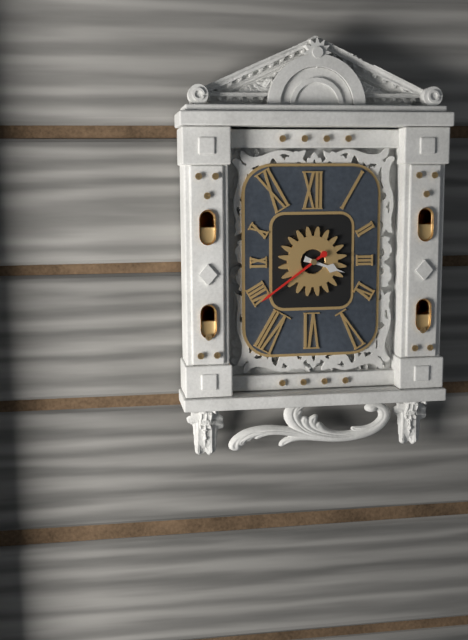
3:39
